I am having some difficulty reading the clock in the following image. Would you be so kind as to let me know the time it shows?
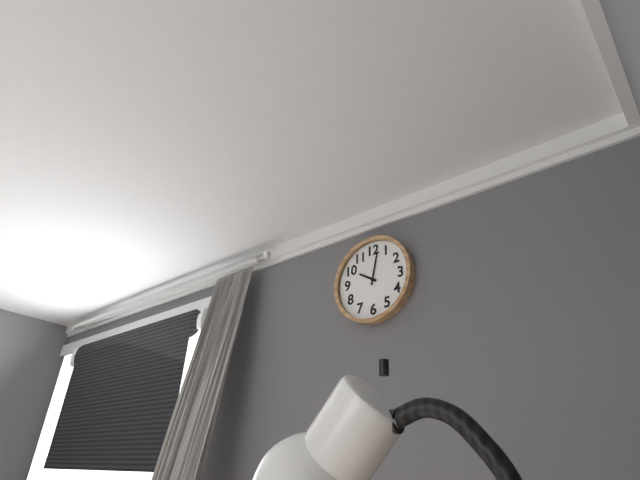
10:02
